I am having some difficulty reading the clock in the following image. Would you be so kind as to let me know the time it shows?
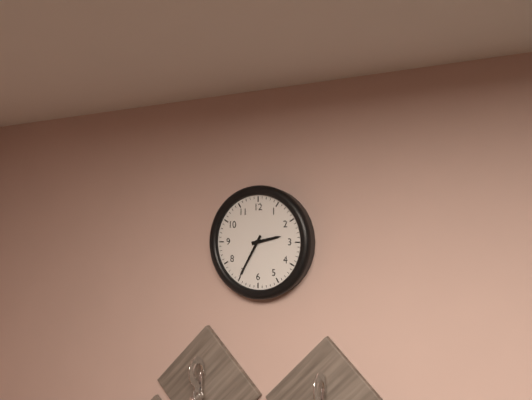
2:35
